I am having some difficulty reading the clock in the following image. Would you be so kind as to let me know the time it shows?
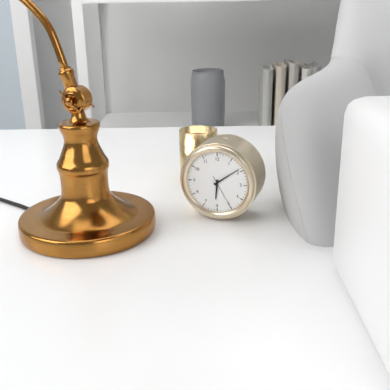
6:09
